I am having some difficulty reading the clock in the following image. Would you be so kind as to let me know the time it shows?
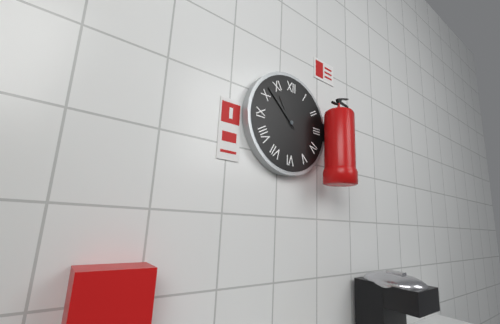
10:52
